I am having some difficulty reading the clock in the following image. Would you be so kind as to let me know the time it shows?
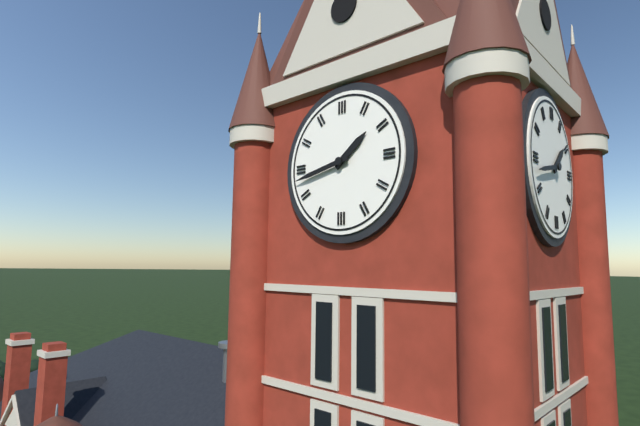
1:43
